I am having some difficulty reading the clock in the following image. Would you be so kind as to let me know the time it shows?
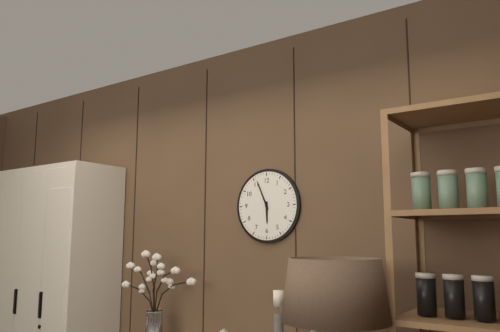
5:56
